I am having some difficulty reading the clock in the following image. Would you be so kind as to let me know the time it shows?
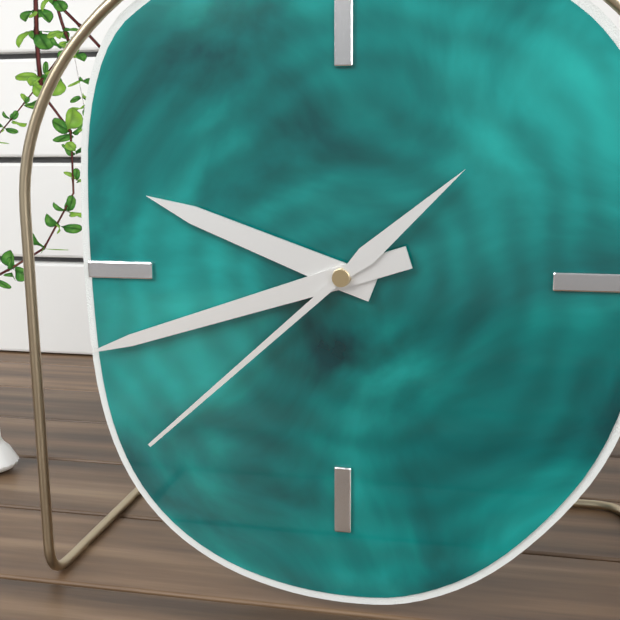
9:42:38
